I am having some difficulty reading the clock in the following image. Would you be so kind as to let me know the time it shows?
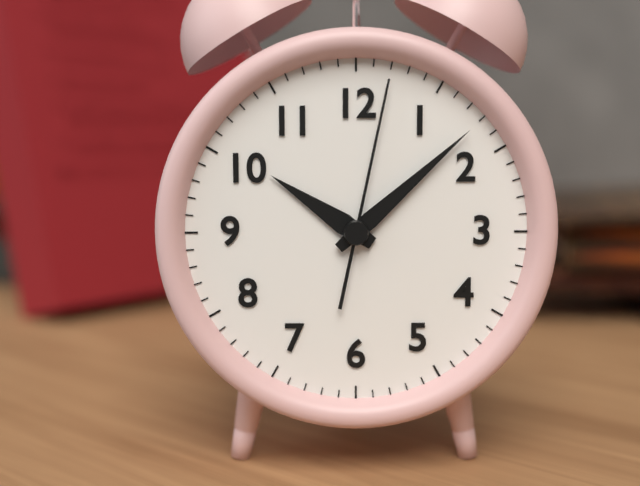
10:08:02
